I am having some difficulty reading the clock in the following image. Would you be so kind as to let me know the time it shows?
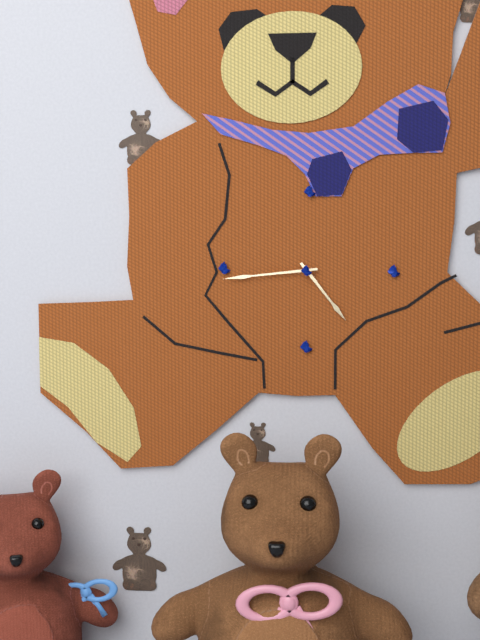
4:44
